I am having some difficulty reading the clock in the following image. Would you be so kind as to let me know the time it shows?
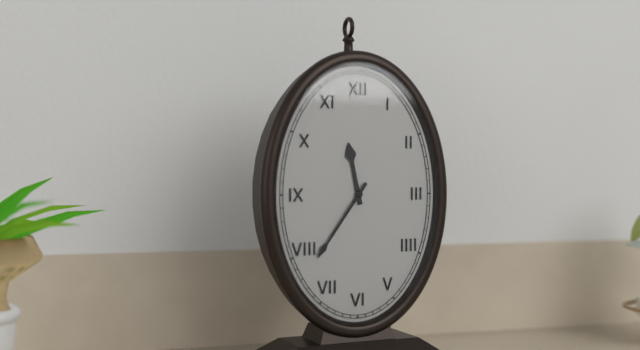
11:36
